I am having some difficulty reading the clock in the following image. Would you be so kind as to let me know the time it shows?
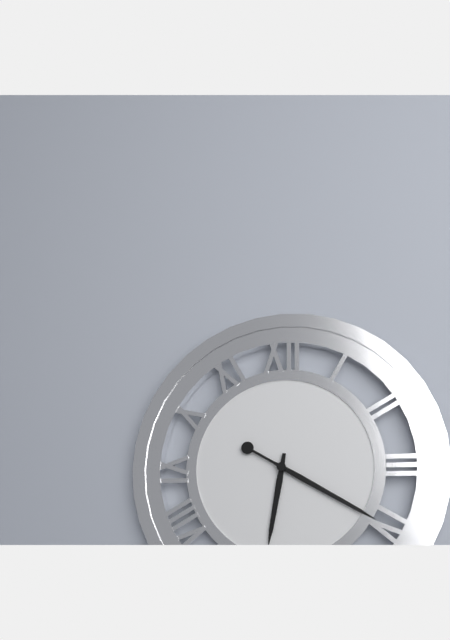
6:20
